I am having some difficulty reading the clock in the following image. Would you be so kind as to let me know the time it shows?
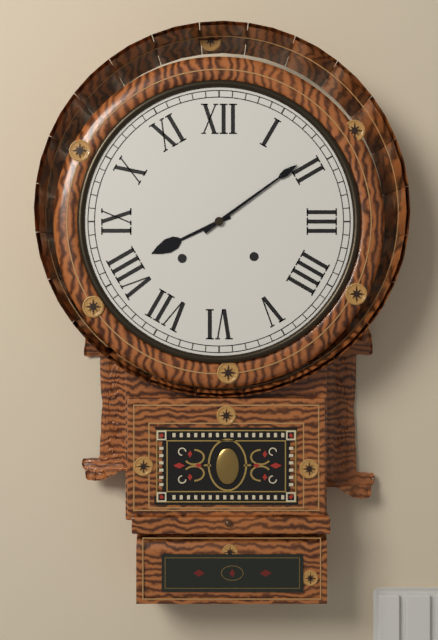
8:09
